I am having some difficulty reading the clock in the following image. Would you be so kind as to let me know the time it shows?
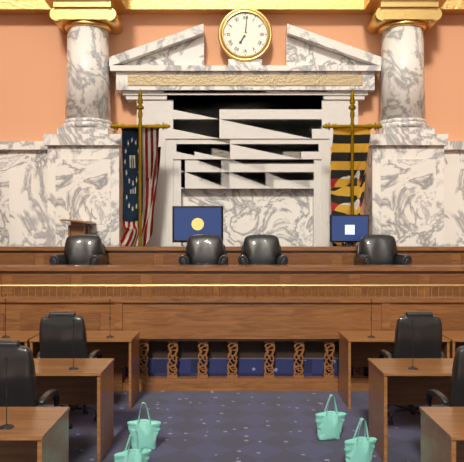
7:01
